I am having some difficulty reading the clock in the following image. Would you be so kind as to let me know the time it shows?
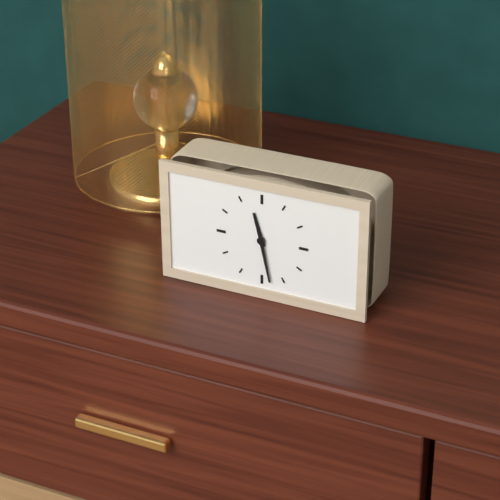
11:28
